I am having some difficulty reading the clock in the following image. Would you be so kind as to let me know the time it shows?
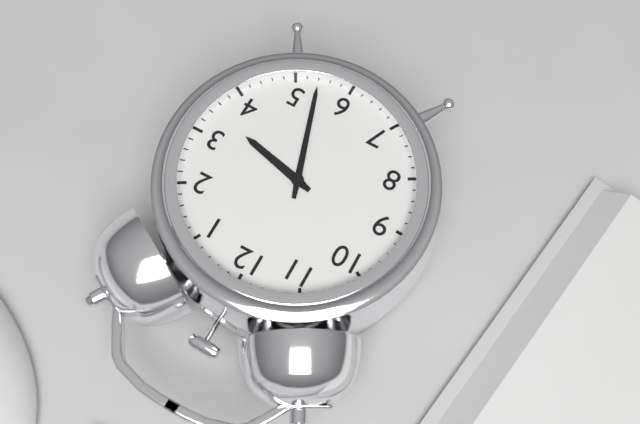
3:27
